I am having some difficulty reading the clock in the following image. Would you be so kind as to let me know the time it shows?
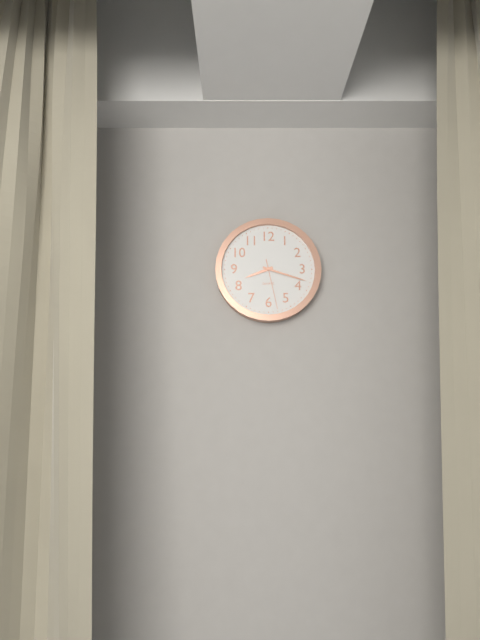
8:18:28
